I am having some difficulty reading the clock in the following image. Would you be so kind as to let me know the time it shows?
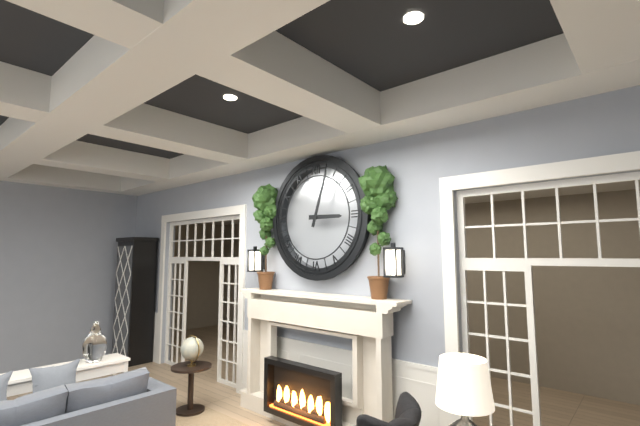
3:03
